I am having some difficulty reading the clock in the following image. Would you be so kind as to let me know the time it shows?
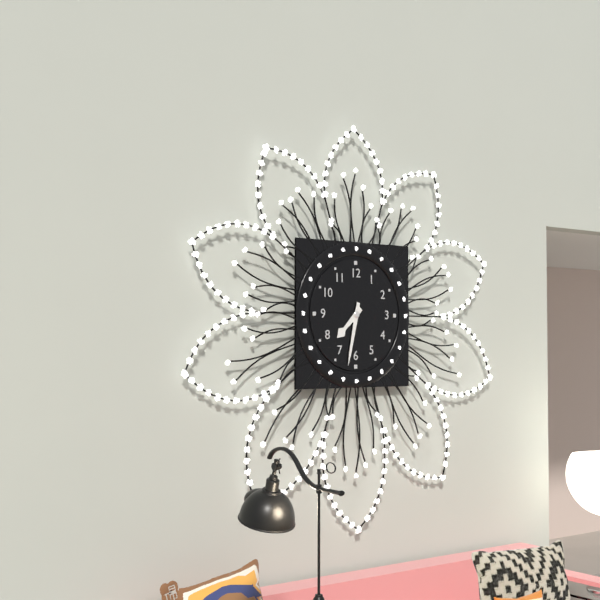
7:32
